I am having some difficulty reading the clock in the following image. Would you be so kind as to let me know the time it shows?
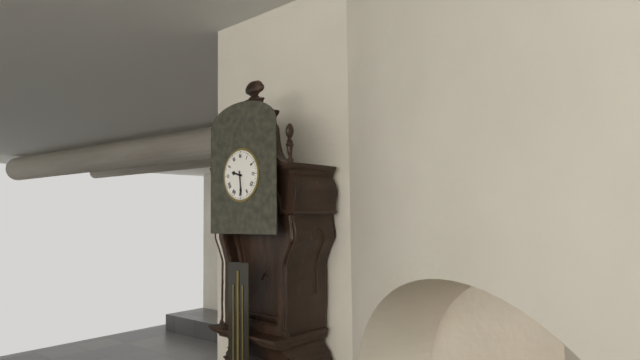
9:29
